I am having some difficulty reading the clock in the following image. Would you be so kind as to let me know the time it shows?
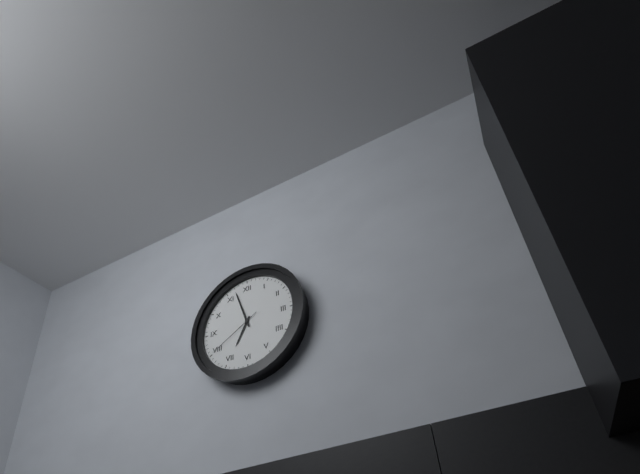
6:57:40
